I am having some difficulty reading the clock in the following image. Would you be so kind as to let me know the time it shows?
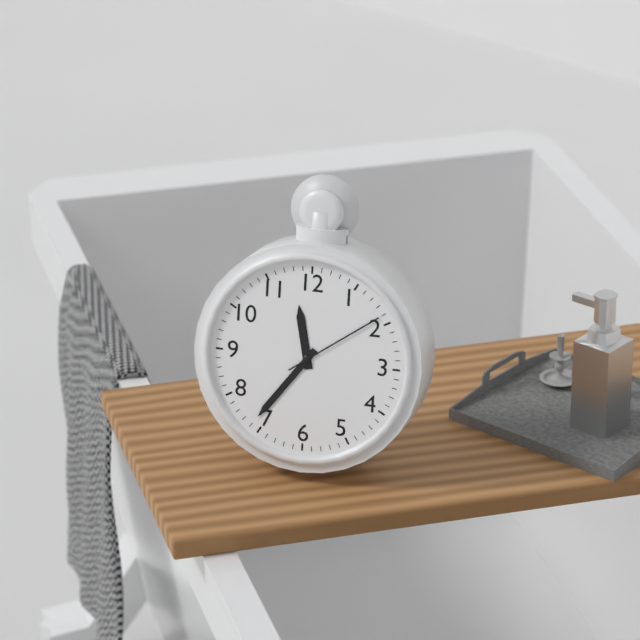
11:36:09
